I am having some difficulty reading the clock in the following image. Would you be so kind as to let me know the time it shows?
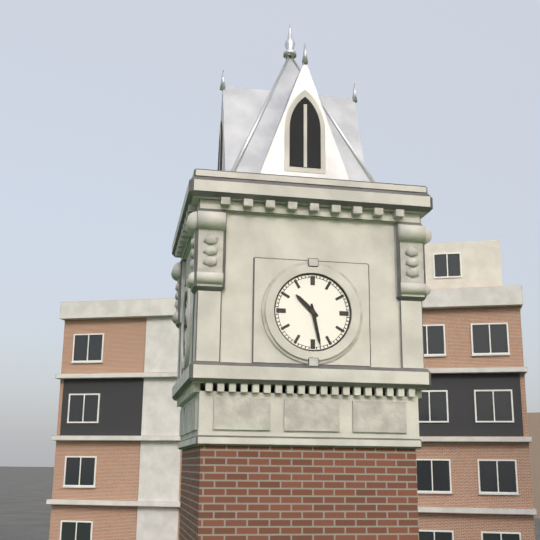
10:28
